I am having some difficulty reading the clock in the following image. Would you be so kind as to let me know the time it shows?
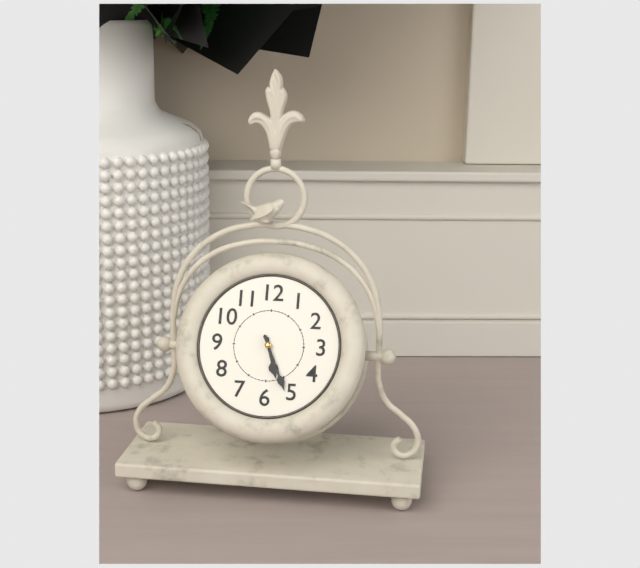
5:26
